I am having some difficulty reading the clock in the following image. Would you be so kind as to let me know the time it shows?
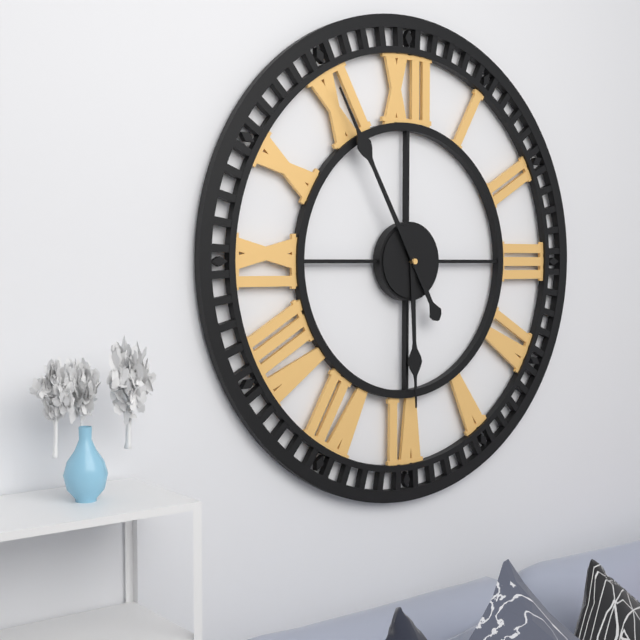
5:55
